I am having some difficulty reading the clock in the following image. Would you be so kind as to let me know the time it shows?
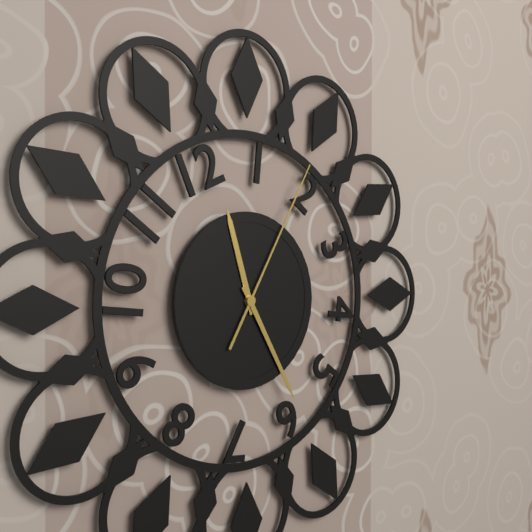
11:25:05
